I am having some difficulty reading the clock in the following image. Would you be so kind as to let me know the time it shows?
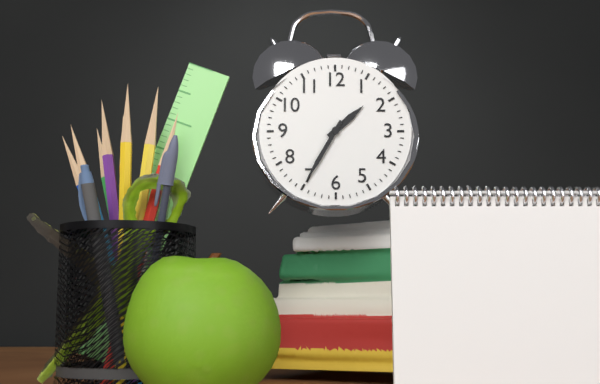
1:35
